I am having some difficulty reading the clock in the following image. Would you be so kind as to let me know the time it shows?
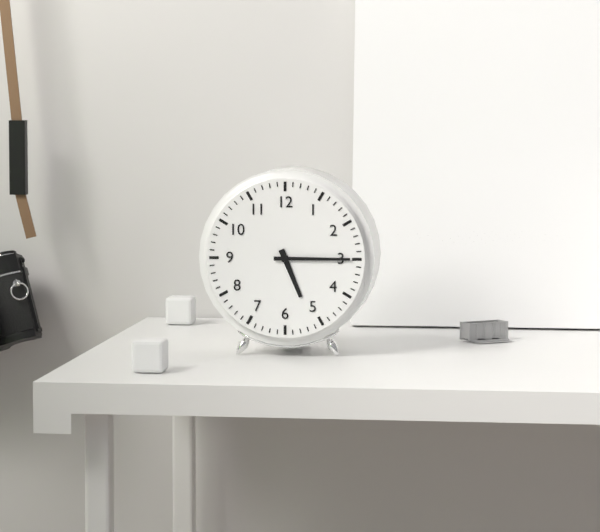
5:15
